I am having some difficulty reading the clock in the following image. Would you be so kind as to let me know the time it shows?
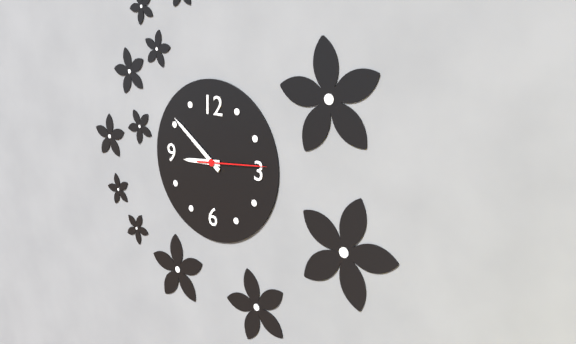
8:51:14
